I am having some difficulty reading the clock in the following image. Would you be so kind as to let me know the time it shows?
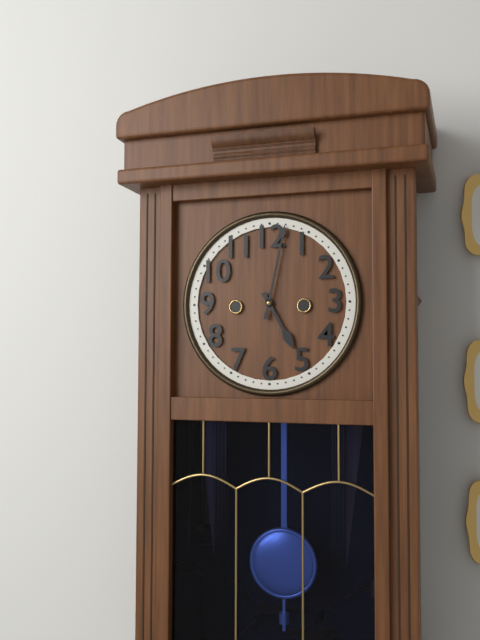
5:02
